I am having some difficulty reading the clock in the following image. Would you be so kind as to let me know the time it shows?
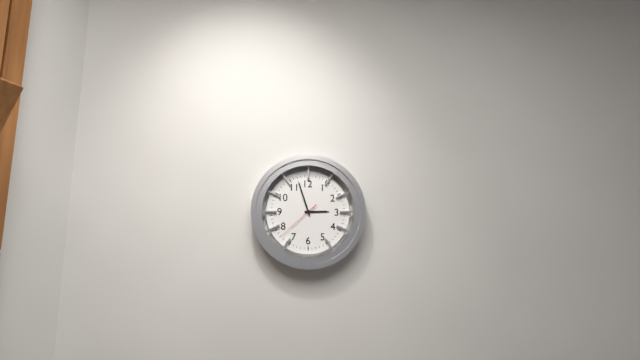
2:57
